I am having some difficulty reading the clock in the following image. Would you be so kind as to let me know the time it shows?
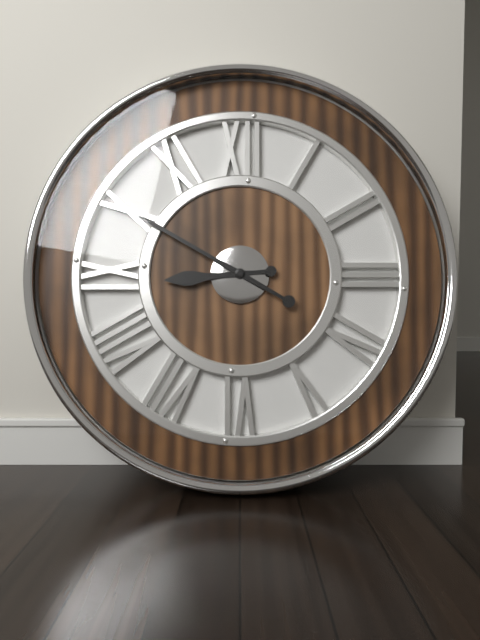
8:50
